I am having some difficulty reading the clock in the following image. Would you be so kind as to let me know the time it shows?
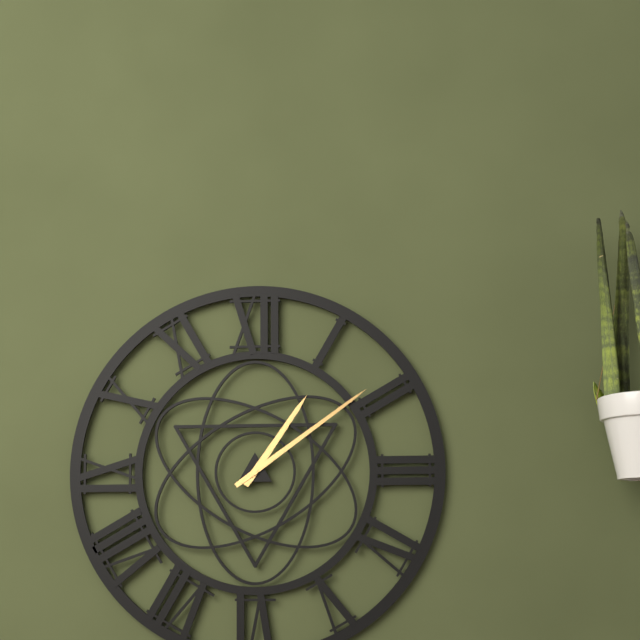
1:09
